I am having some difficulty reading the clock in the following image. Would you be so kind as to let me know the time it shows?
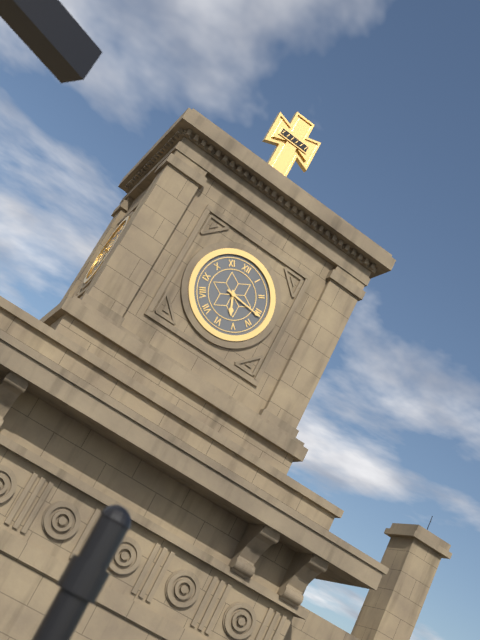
5:16
